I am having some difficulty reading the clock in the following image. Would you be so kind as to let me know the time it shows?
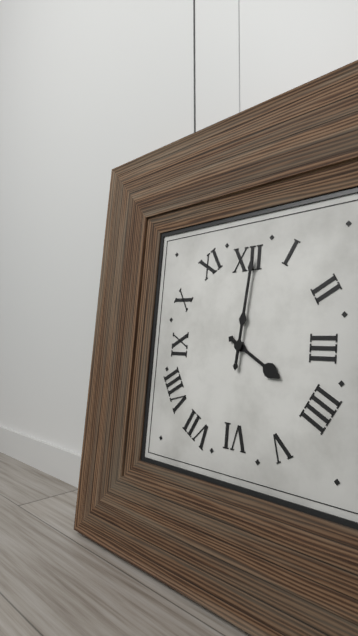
4:01
